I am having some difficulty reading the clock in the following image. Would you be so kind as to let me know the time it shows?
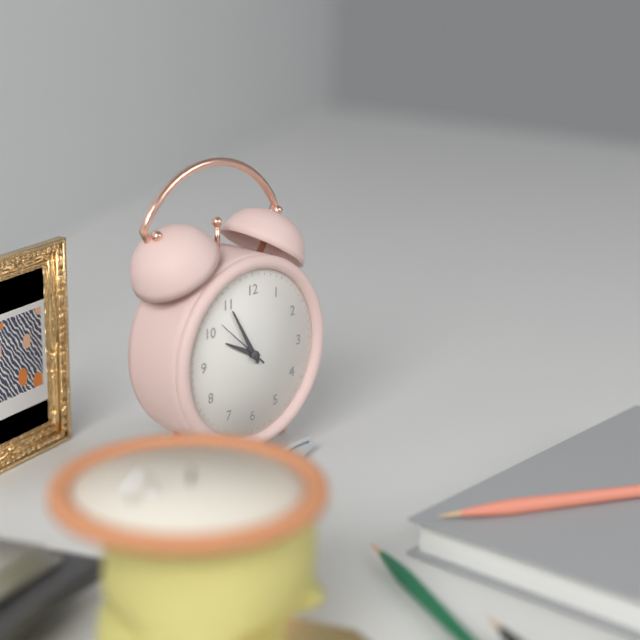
9:55:52
